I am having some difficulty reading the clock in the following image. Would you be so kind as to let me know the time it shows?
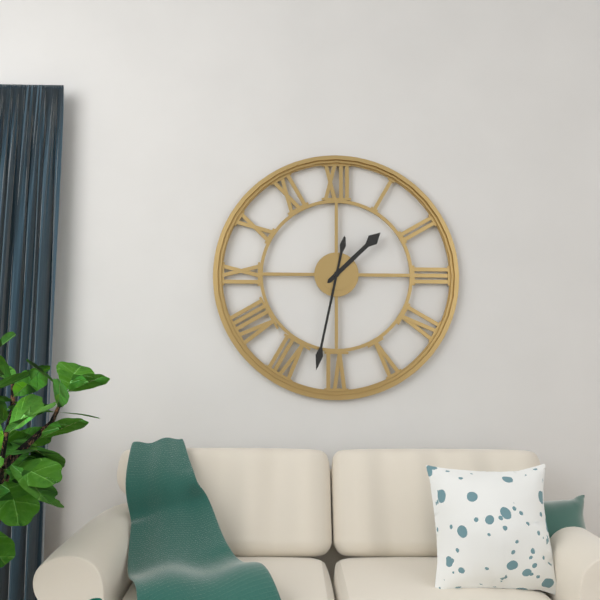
1:32
